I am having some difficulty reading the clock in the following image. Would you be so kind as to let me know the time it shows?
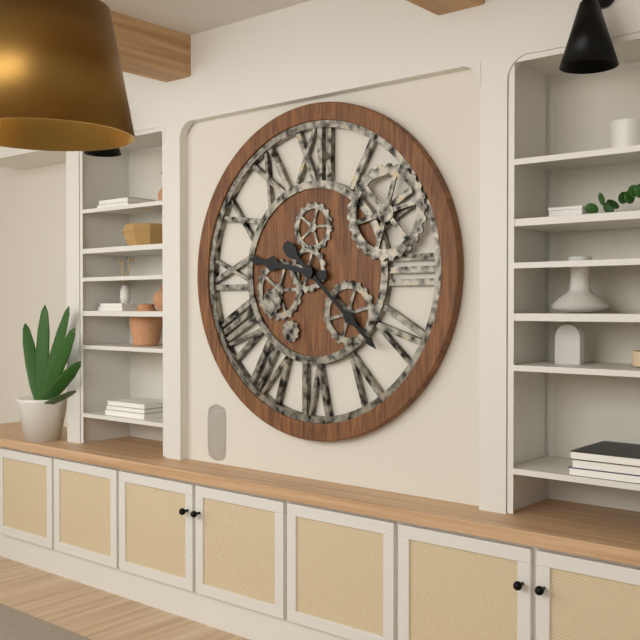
9:22
